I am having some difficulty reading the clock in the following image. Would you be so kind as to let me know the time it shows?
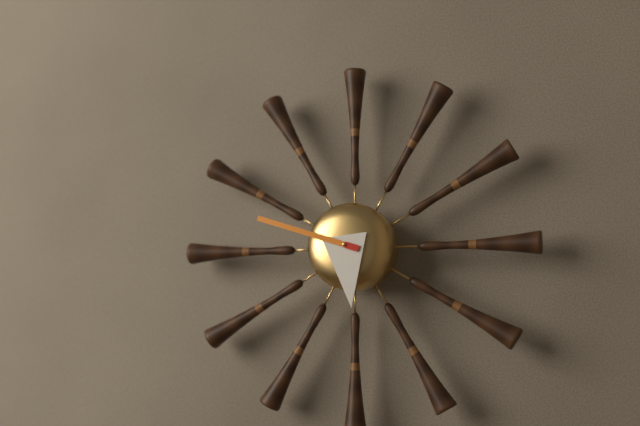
5:48
